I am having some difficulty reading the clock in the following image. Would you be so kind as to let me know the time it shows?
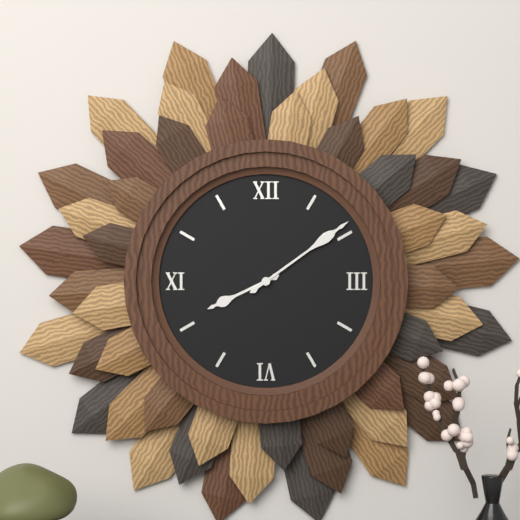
8:09
